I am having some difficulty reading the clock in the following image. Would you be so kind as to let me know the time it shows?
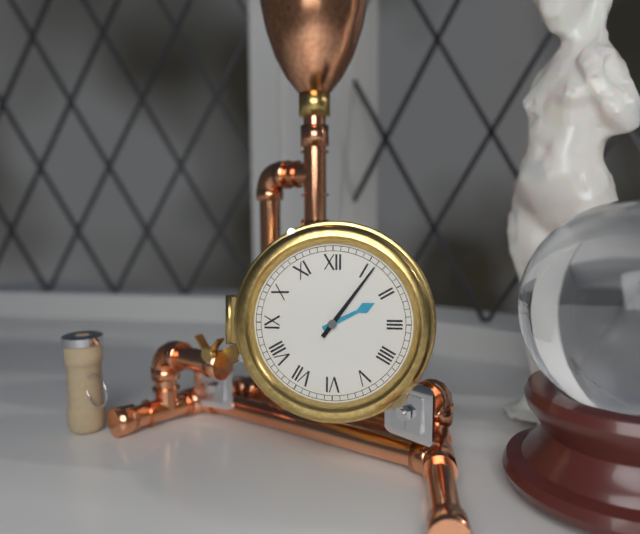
2:06
